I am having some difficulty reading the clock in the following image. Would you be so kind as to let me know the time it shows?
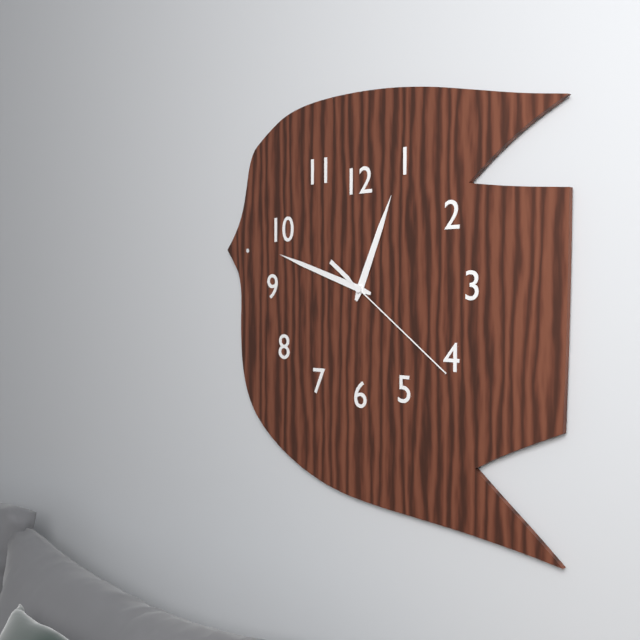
12:48:21
